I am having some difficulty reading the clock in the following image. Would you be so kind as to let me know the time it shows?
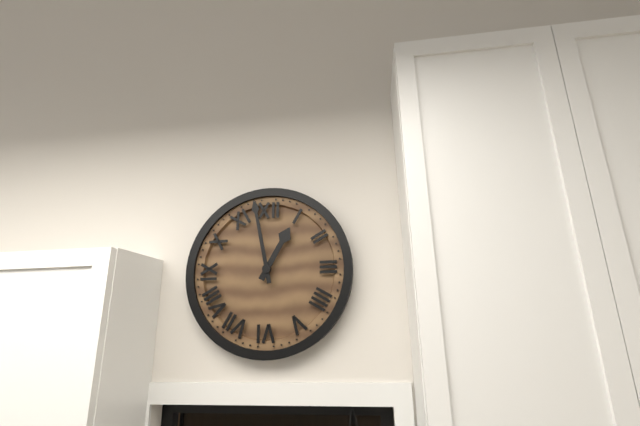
12:58
